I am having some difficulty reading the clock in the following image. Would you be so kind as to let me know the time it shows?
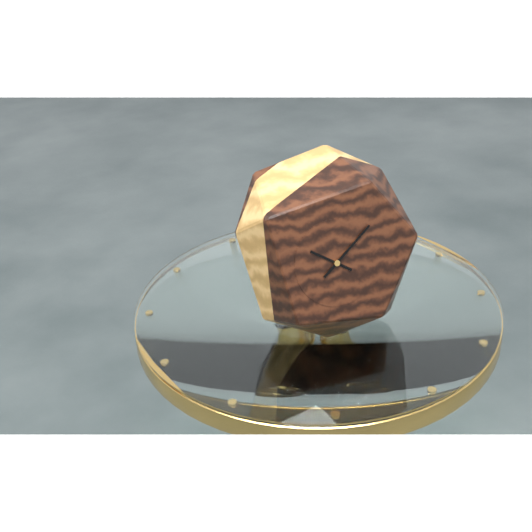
10:09
